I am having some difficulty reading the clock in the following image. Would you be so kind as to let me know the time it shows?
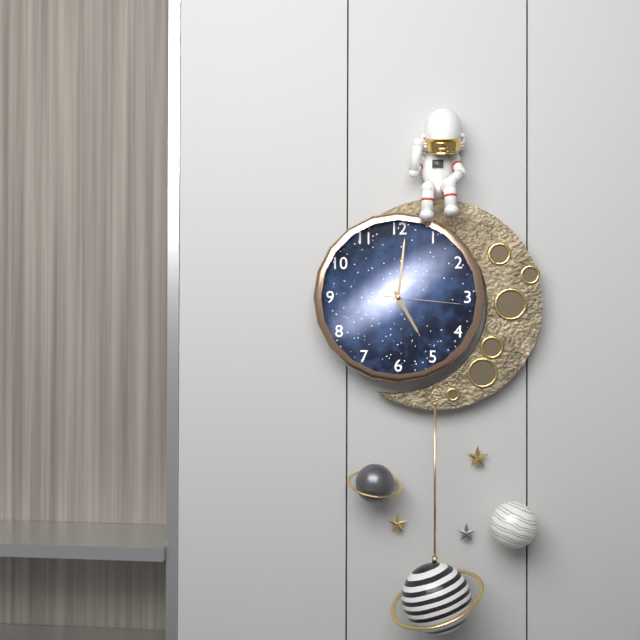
5:01:16
